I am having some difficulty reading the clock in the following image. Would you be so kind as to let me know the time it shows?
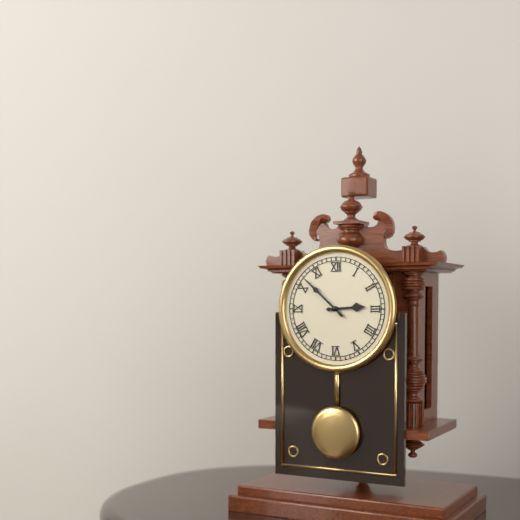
2:52
